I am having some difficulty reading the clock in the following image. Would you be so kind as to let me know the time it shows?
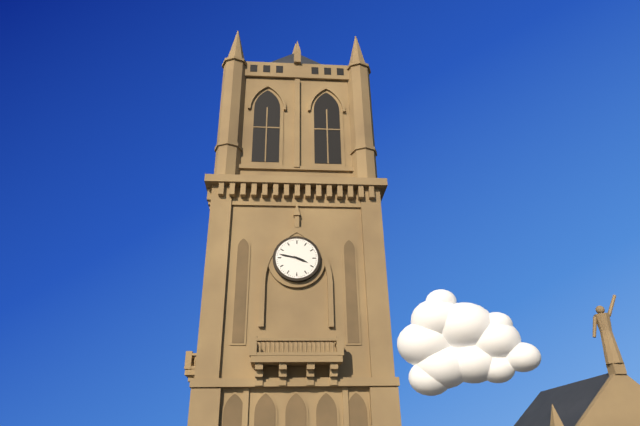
3:47
